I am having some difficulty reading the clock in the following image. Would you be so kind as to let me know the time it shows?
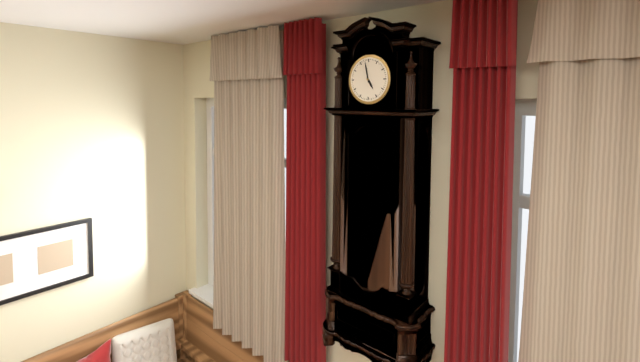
4:58
